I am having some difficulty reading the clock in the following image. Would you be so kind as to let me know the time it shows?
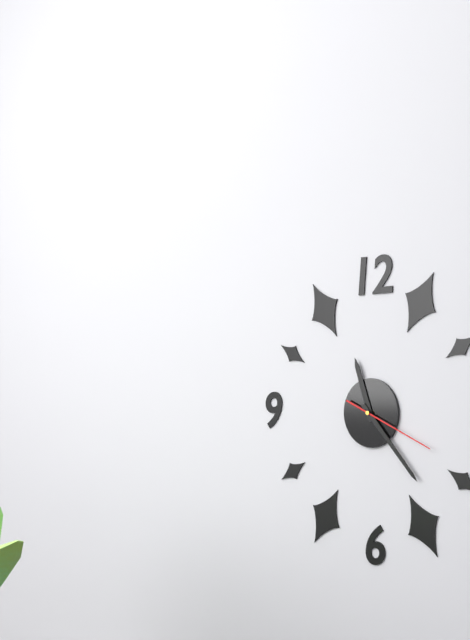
11:23:19
